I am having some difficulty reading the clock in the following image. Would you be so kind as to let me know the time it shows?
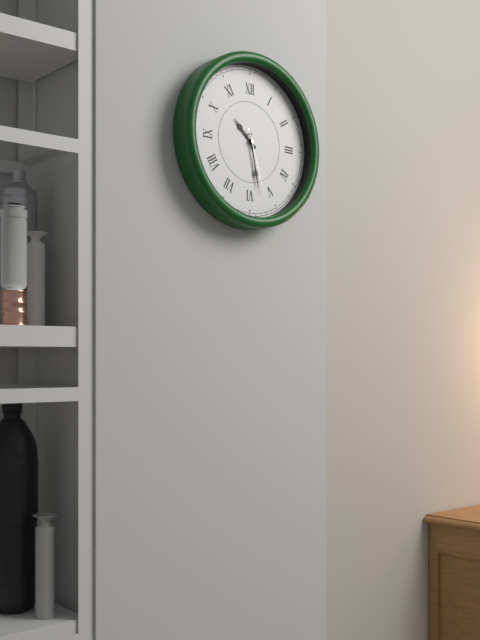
10:28:27
